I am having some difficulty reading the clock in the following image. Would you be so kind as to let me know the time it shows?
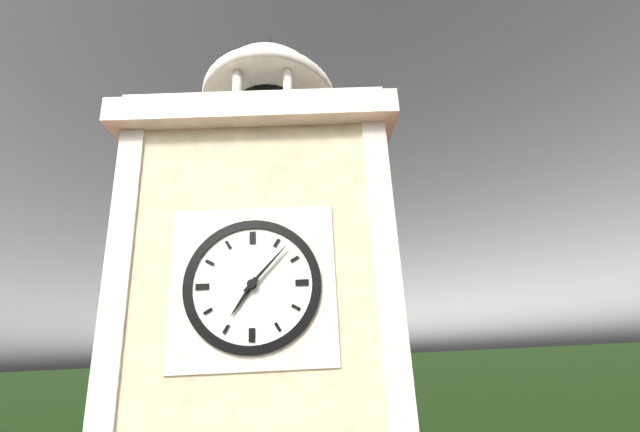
7:07
